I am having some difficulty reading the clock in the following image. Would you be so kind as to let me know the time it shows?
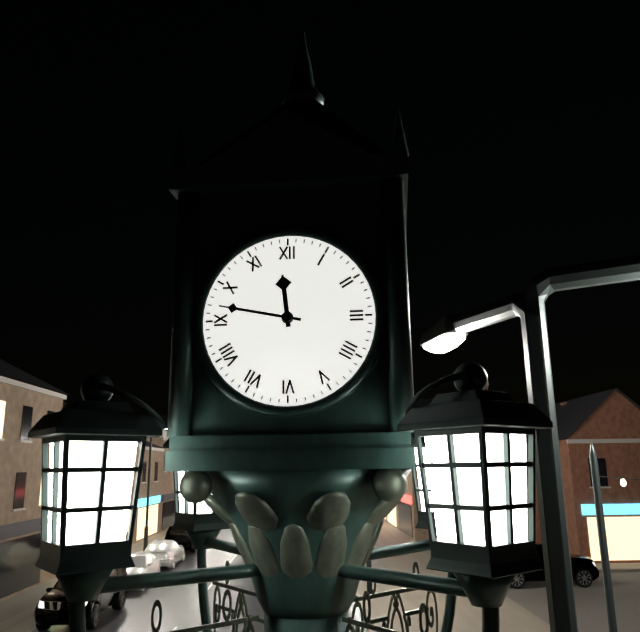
11:47
